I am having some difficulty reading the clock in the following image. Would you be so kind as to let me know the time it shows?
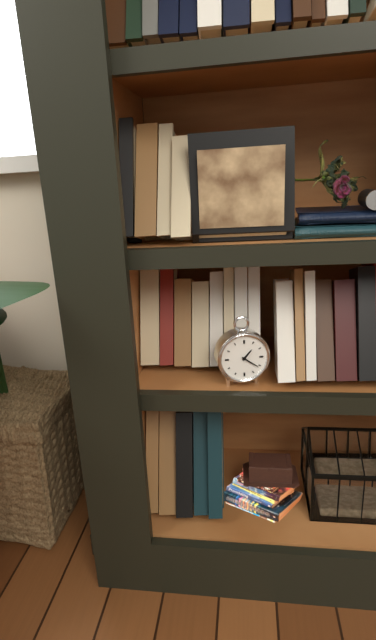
1:21
